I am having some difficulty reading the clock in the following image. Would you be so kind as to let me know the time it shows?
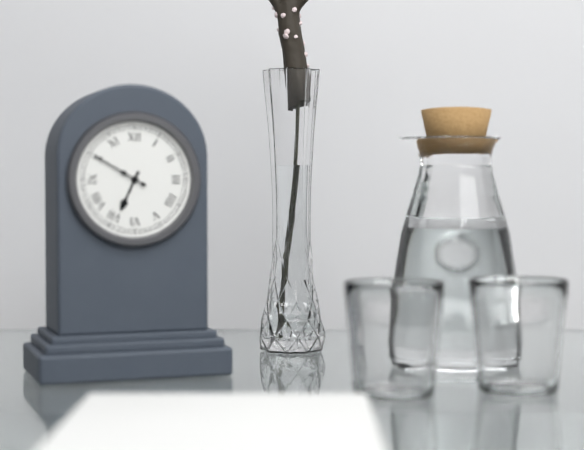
6:50
